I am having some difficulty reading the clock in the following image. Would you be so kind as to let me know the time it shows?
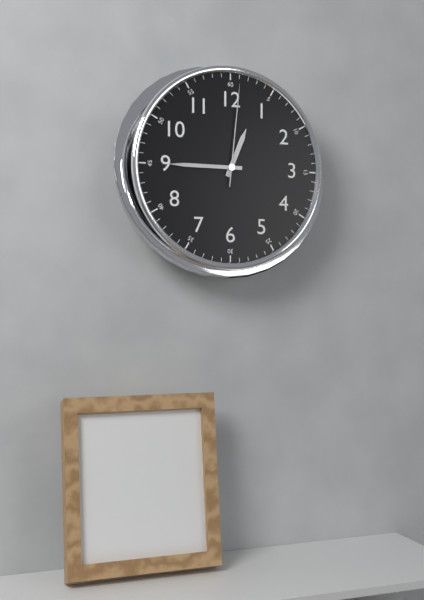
12:45:01
